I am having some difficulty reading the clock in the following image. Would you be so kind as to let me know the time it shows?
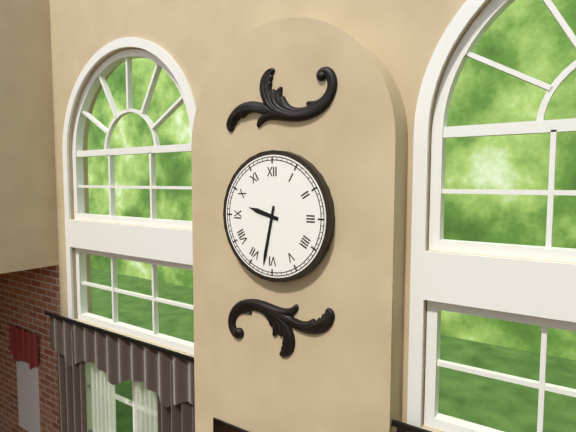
9:32
